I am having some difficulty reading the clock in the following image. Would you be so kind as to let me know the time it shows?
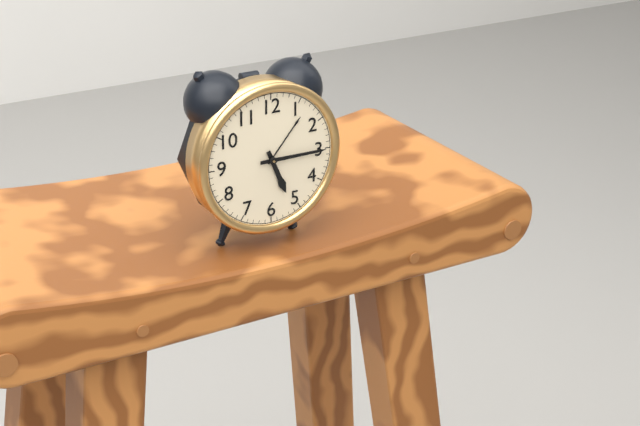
5:15
